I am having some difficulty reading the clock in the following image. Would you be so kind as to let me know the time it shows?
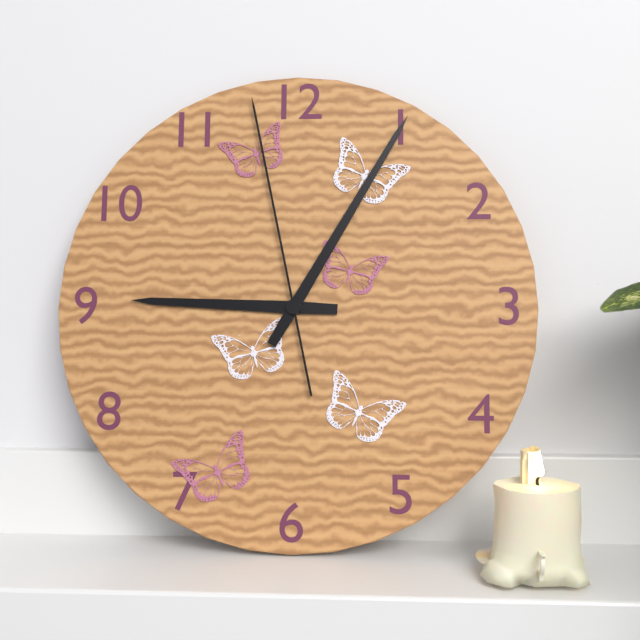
9:05:58
